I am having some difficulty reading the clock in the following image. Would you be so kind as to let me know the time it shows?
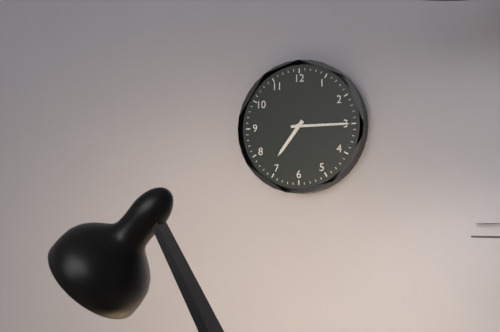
7:15
